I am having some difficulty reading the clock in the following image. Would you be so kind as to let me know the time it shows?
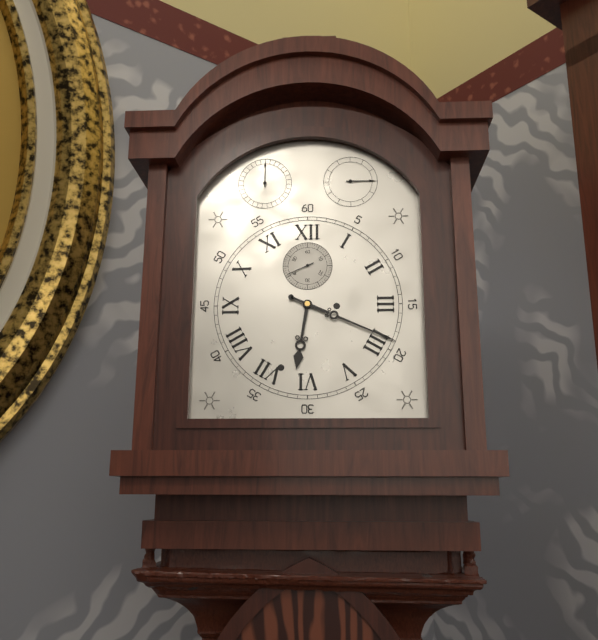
6:19
